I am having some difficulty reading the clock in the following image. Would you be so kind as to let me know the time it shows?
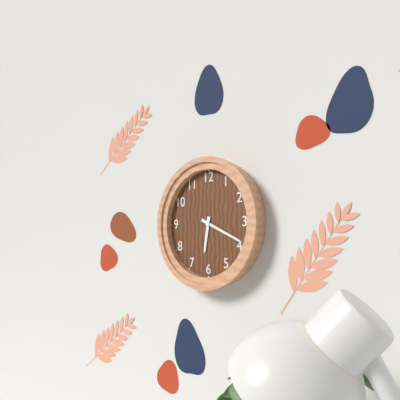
6:19
